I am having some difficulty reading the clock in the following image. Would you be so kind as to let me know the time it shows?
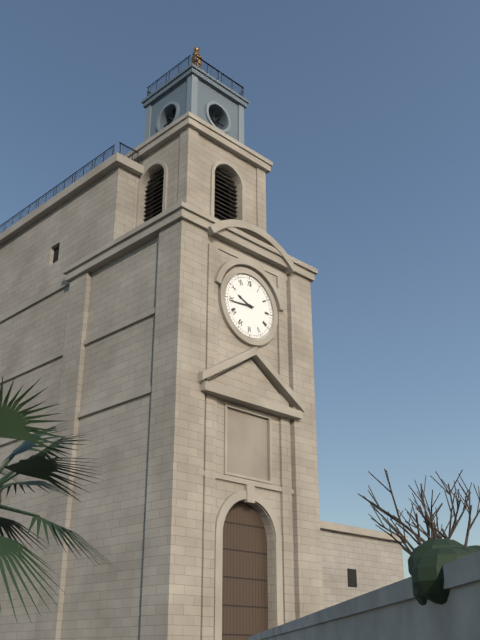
9:44
